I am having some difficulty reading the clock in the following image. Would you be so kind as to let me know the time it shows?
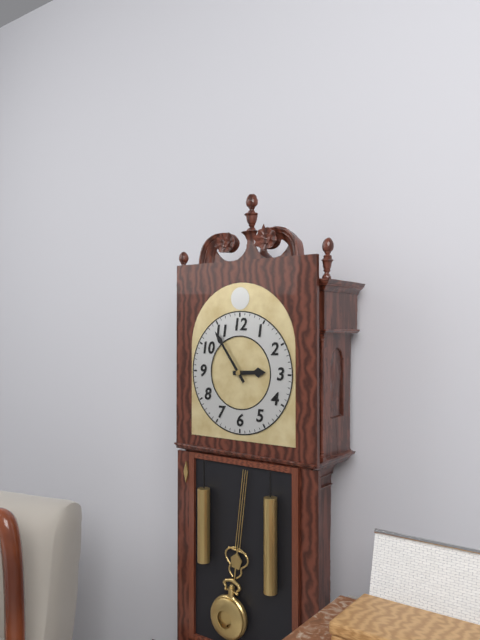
2:54
